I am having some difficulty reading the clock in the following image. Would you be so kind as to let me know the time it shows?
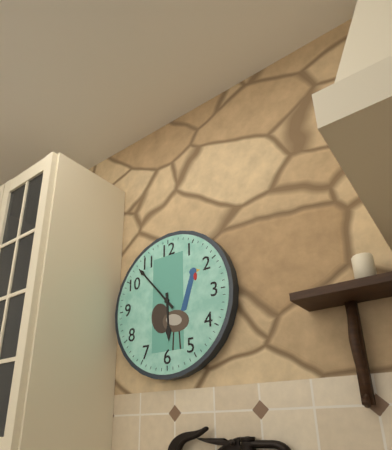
5:53
